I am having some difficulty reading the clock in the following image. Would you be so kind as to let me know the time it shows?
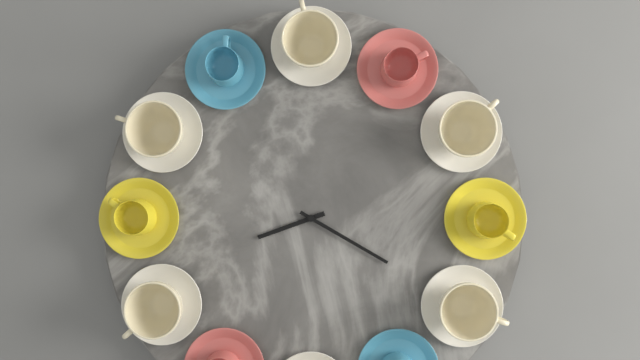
8:20
